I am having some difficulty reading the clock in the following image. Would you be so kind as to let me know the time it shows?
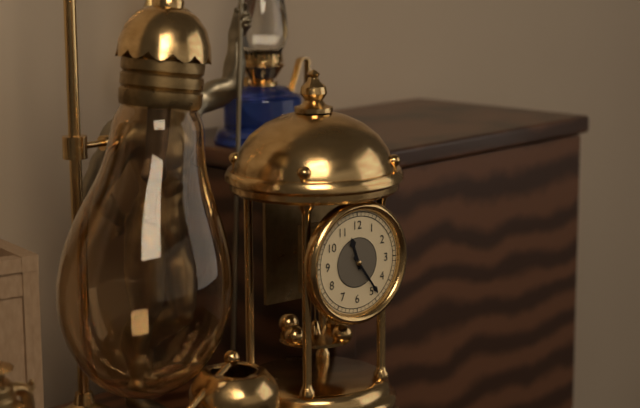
11:24
